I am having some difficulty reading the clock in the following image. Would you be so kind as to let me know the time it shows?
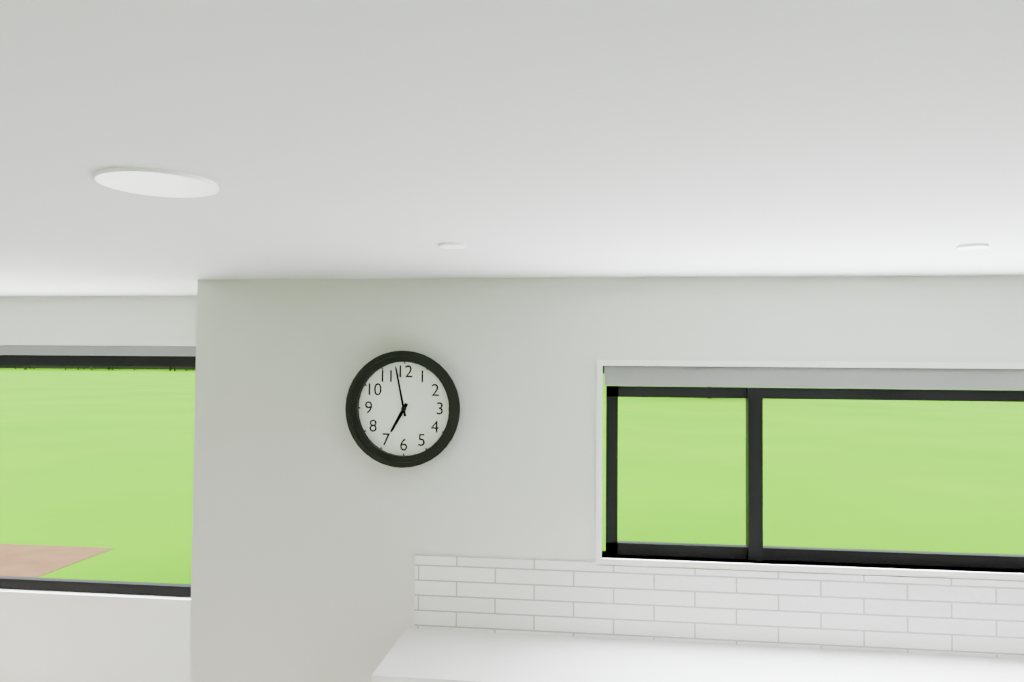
6:58
